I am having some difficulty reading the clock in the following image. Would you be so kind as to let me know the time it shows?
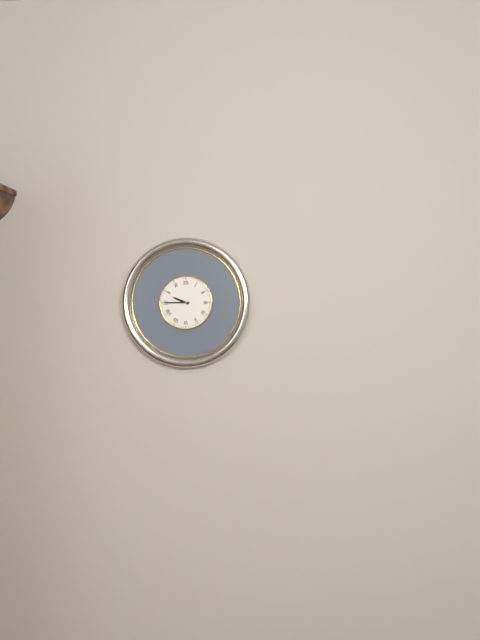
9:45
